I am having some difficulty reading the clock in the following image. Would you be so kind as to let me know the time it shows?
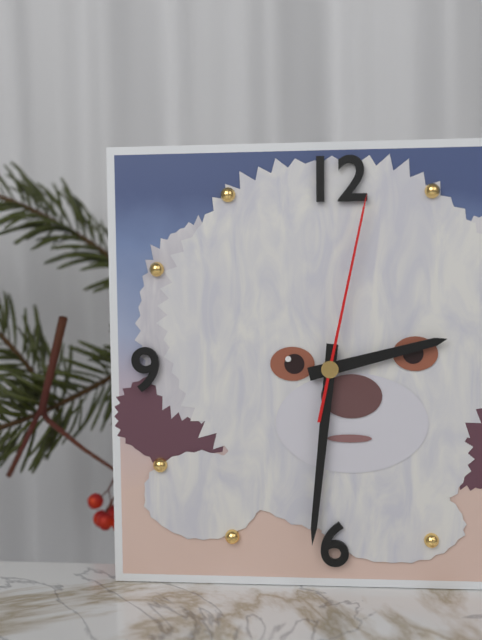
2:31:02
